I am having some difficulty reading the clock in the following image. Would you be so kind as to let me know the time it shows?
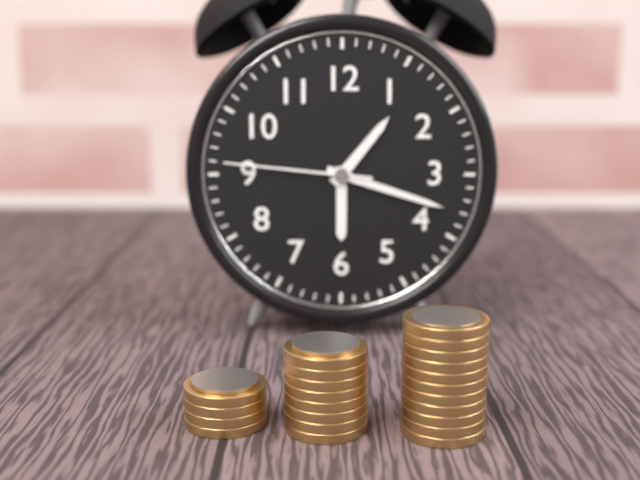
1:18:46
